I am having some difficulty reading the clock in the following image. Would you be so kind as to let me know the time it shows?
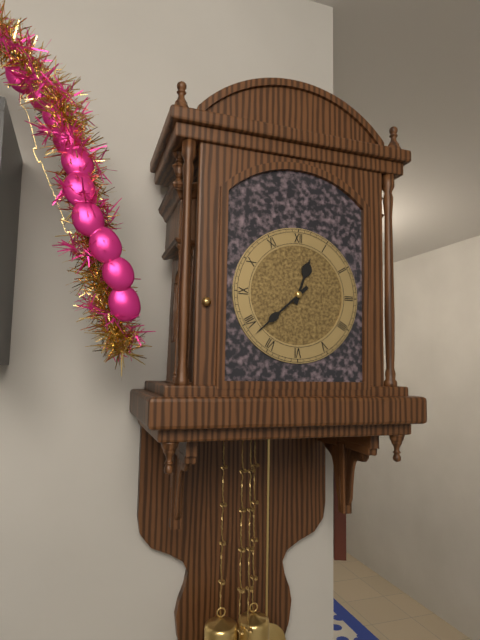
12:38
